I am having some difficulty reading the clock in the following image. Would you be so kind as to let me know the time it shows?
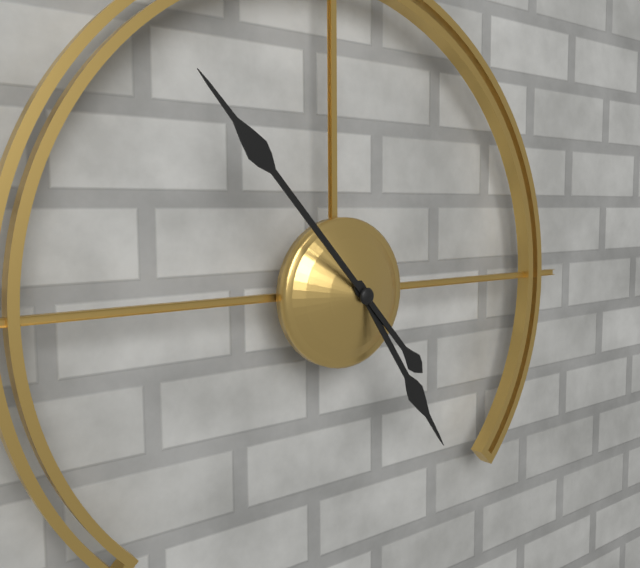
4:53
